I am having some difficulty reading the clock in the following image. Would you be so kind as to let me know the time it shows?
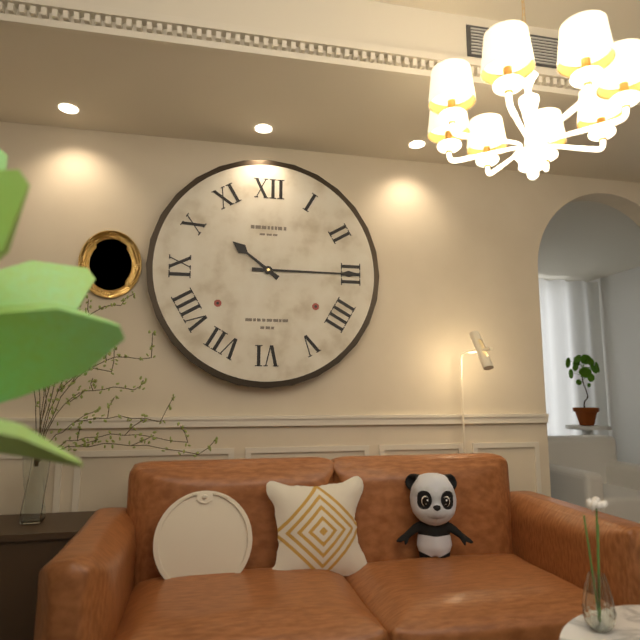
10:15
